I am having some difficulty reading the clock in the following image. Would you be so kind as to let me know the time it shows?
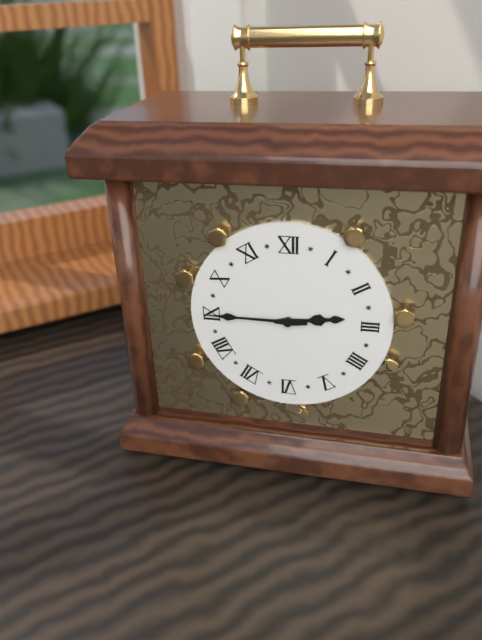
2:45
